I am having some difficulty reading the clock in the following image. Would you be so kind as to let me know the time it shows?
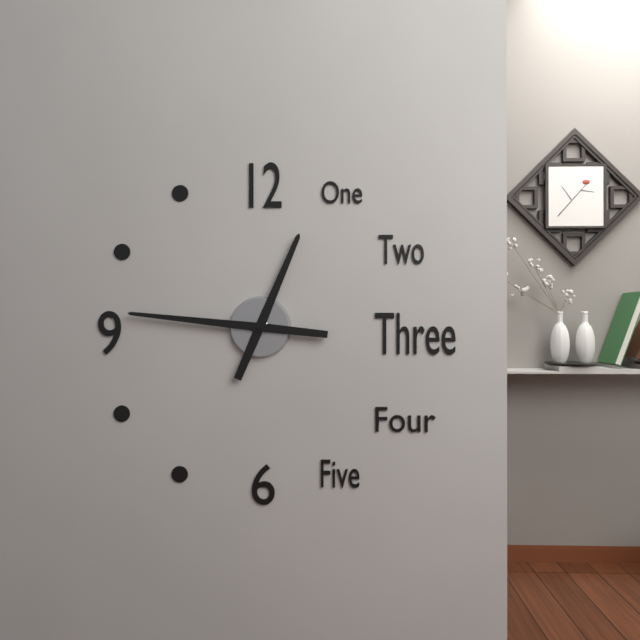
12:46
